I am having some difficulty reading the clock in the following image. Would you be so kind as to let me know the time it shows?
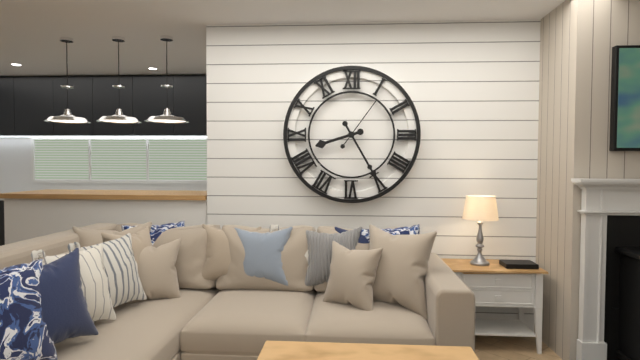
8:25:06
